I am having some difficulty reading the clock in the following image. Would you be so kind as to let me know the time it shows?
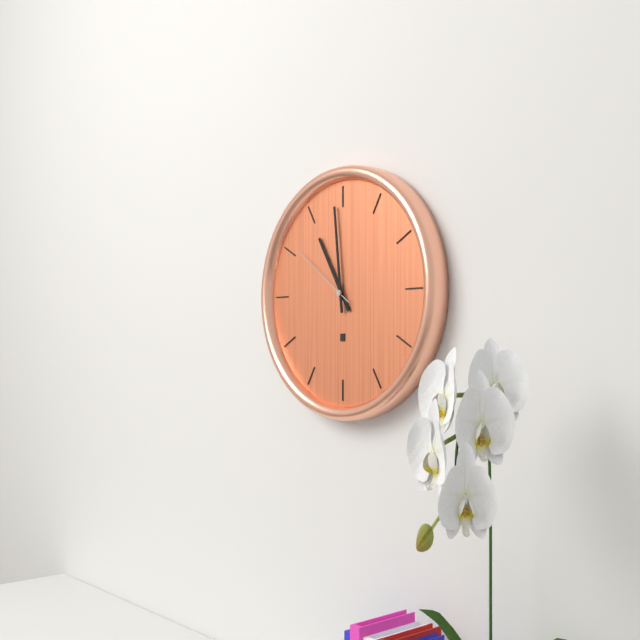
10:59:51
